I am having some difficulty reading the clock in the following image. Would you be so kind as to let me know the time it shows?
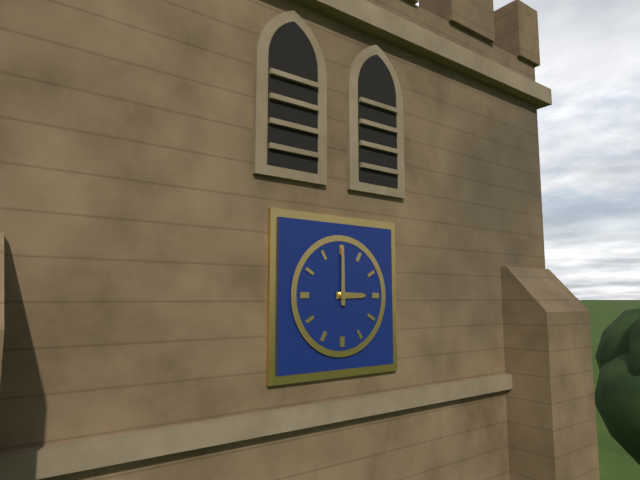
3:00
